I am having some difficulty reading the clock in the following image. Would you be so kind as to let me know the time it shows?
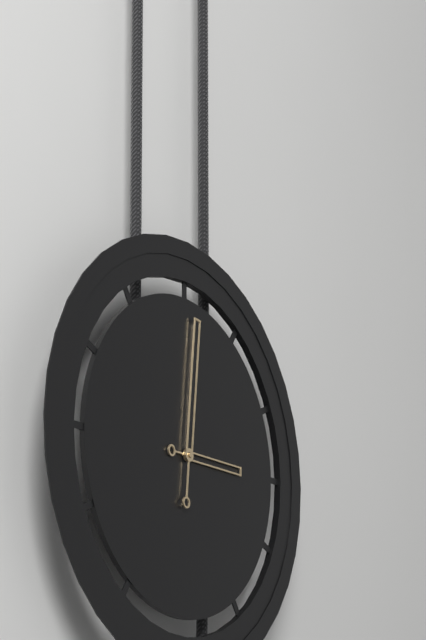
3:01
